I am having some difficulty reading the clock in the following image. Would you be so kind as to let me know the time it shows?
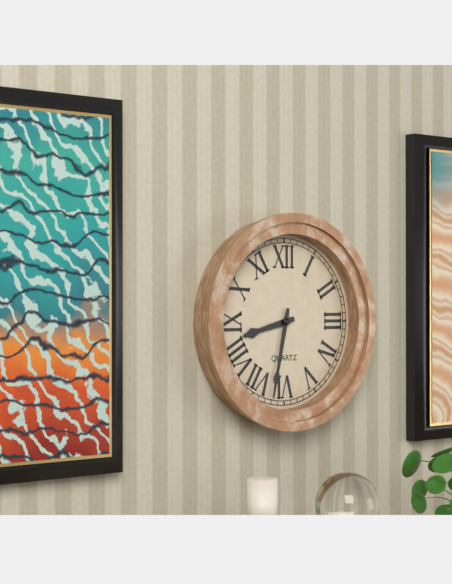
8:32
